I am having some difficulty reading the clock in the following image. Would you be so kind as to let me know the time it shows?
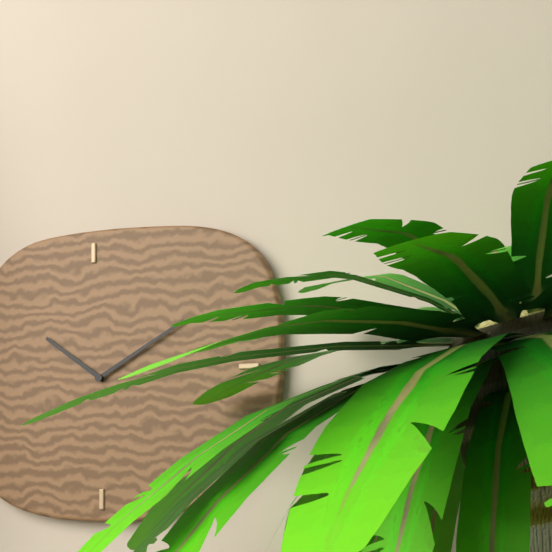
10:10
